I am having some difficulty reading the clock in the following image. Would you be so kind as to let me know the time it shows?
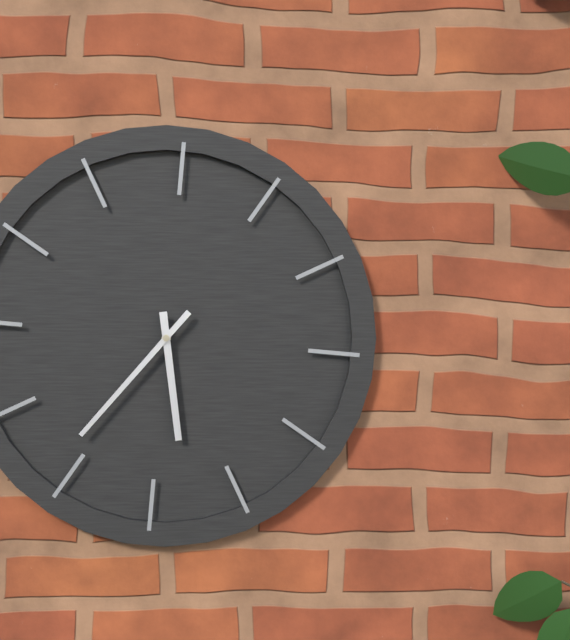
5:36
